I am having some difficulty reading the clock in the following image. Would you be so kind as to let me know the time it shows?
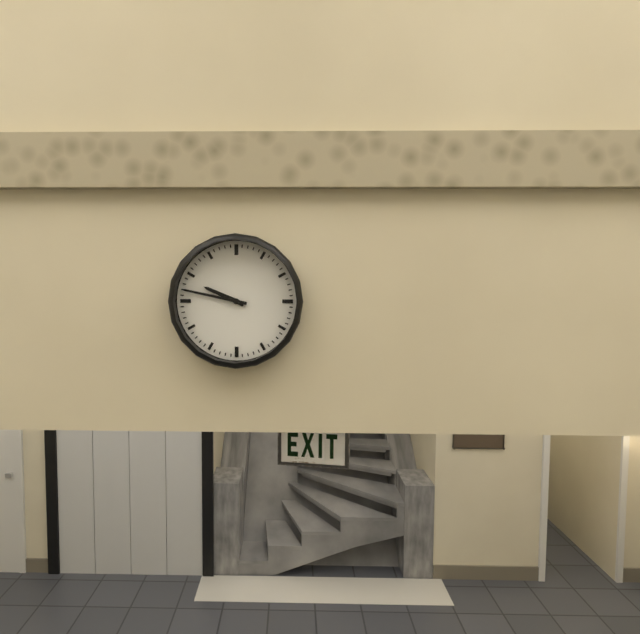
9:47
